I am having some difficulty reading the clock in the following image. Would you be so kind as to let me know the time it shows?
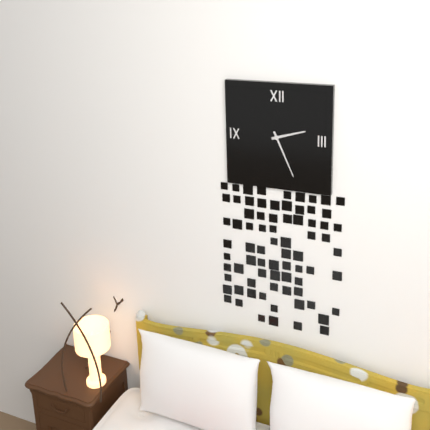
2:26
